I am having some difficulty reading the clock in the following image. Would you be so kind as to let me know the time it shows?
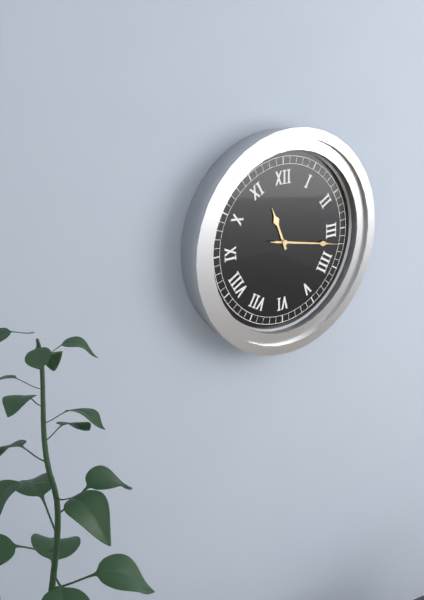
11:17:17
